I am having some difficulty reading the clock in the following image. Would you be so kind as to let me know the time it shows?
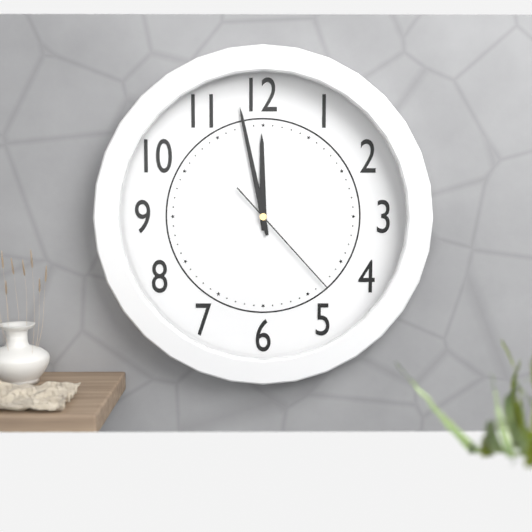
11:58:23
